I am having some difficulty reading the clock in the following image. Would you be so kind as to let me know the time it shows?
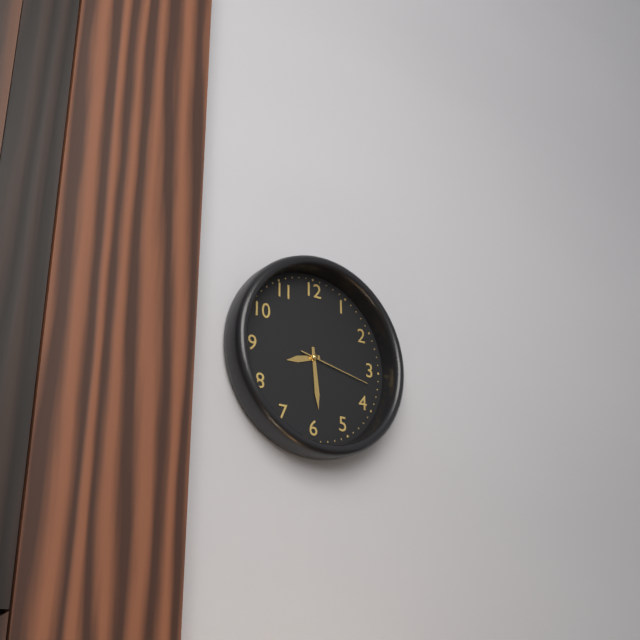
8:29:17
